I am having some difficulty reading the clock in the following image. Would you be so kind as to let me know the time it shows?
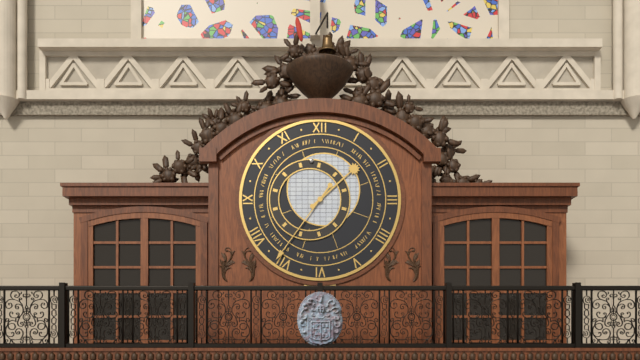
1:36
